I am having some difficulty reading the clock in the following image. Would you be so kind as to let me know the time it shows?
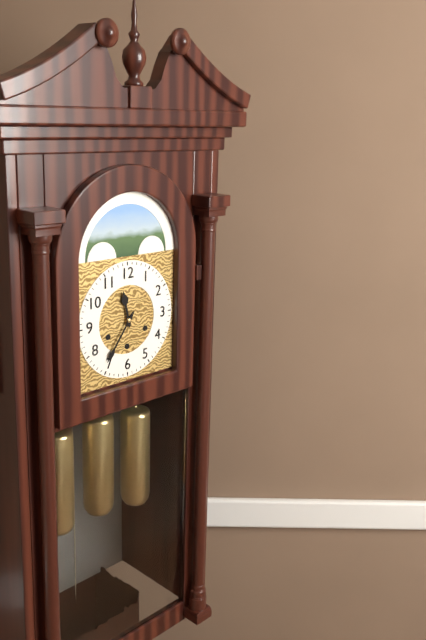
11:36
